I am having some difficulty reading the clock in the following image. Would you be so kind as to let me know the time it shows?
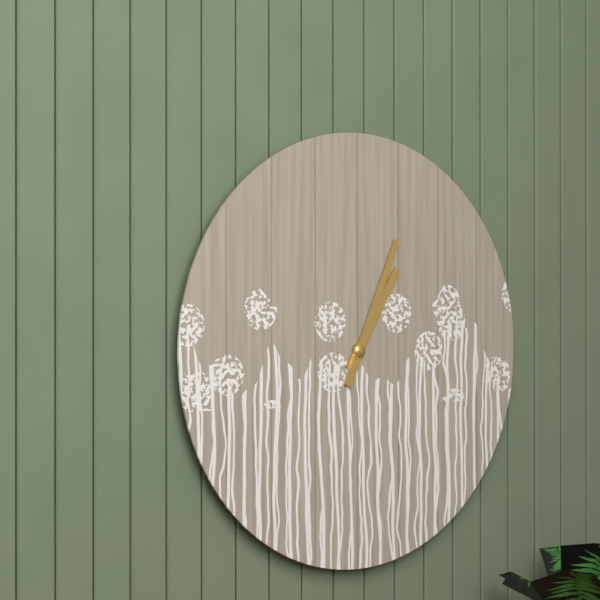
1:04
